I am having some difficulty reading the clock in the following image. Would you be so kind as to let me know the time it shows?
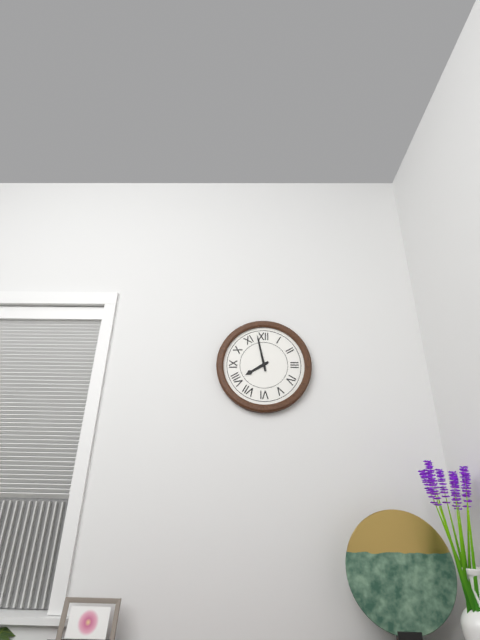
7:58
